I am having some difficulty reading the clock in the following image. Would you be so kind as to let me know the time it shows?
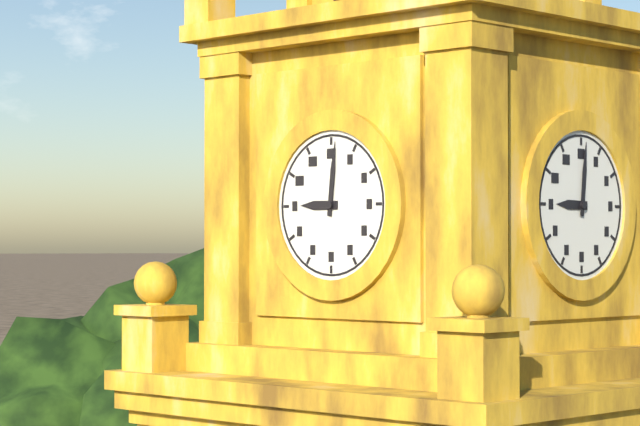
9:01
